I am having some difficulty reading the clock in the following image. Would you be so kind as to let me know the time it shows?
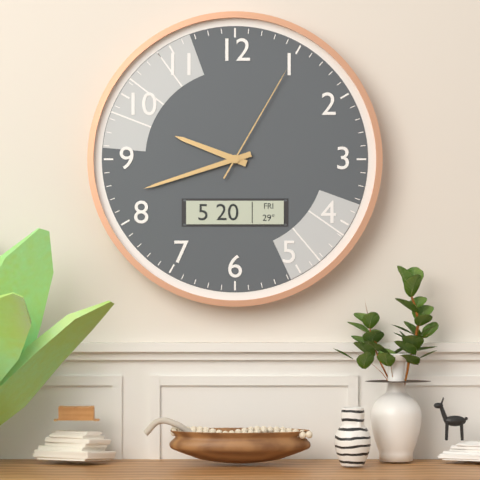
9:42:05
